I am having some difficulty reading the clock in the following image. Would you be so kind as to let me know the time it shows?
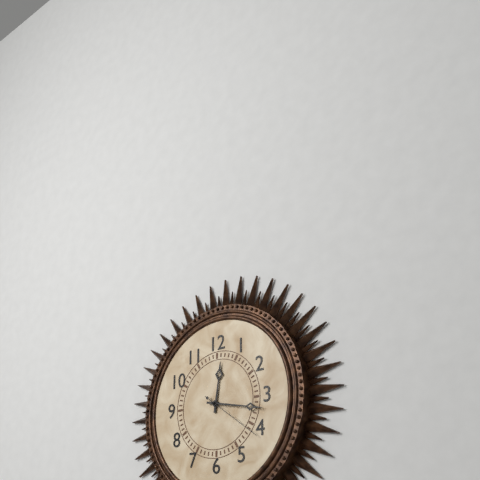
12:17:21
